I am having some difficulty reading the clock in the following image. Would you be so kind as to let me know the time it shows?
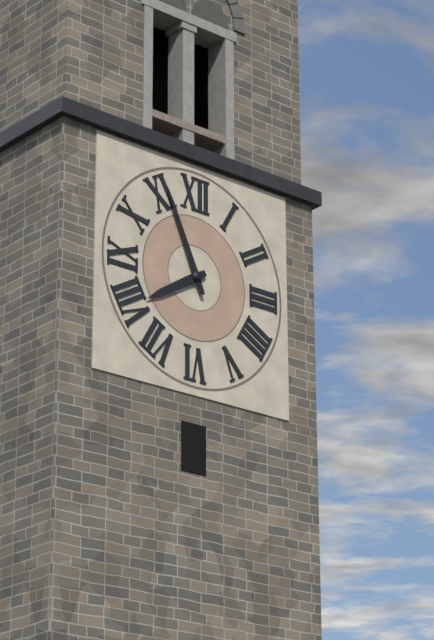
7:56
